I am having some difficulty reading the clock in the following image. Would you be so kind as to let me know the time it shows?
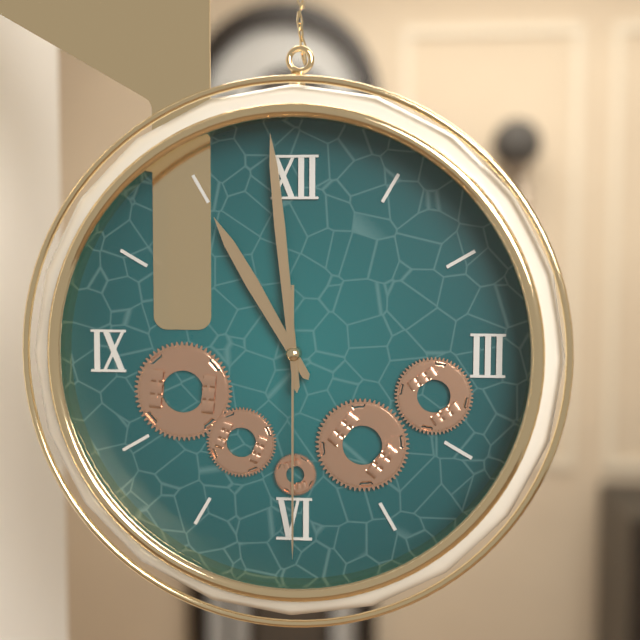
10:59:30
